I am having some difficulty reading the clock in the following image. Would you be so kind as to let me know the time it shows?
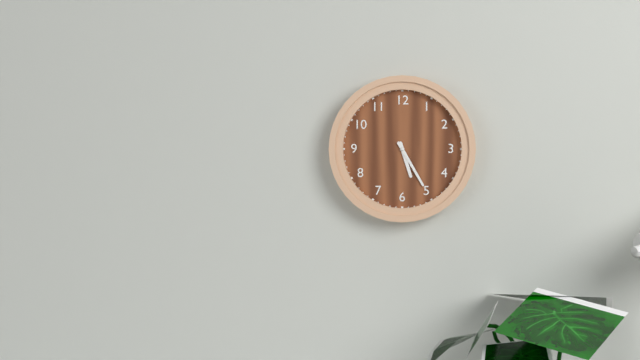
5:25
